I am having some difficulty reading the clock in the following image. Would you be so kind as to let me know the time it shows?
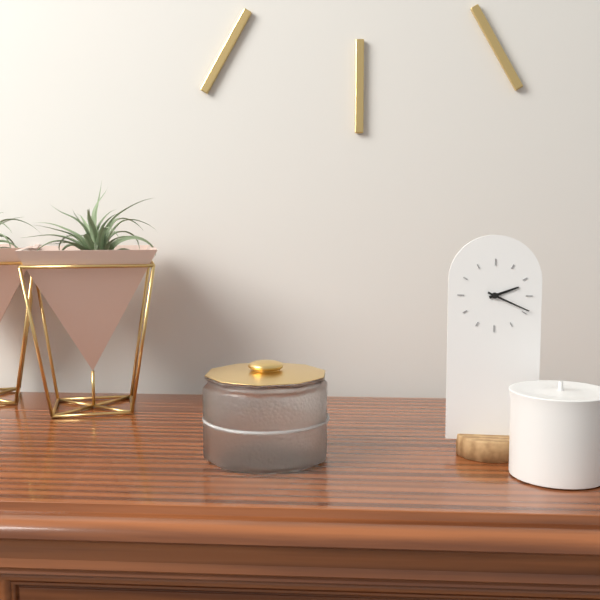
2:19
